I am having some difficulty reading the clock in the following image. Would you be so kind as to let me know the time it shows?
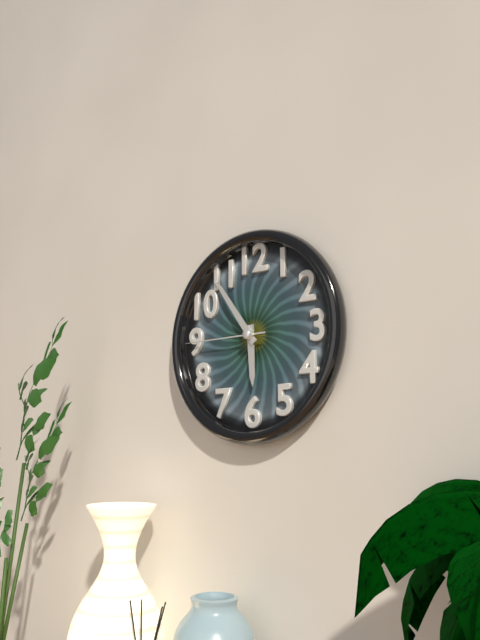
5:54:45
